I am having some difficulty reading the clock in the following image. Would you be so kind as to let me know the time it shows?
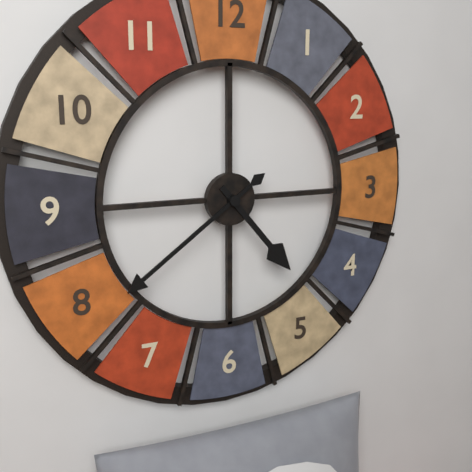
4:39
